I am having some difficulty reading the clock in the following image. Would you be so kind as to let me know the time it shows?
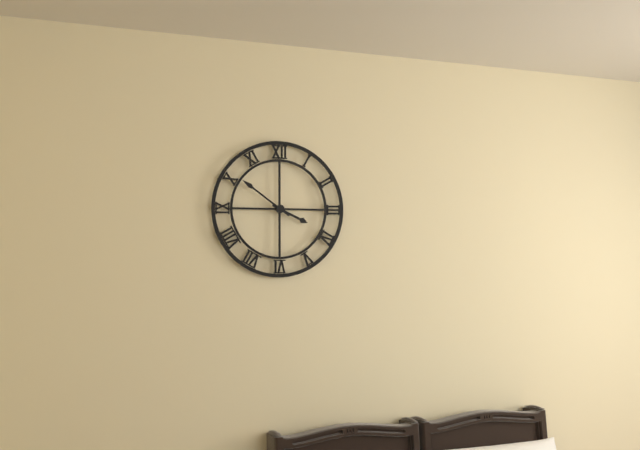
3:51
